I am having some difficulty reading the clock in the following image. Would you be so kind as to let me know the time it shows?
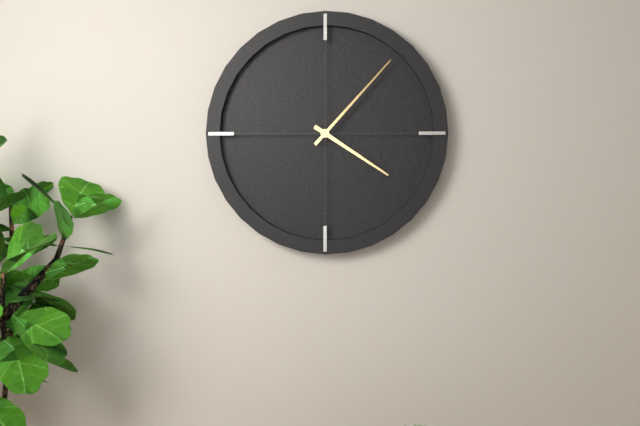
4:07
